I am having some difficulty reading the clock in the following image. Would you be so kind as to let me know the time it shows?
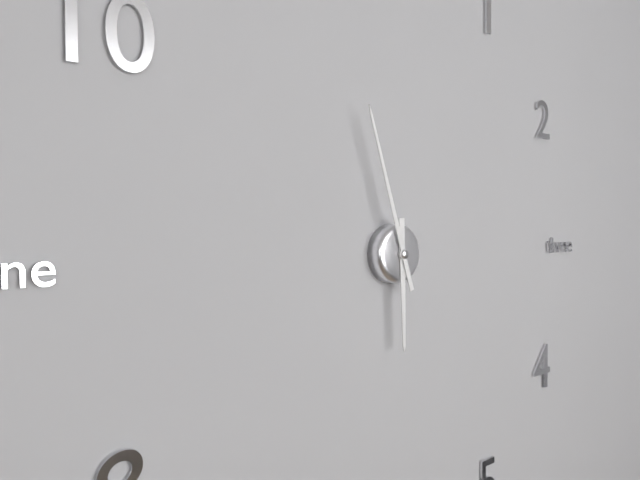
5:57
